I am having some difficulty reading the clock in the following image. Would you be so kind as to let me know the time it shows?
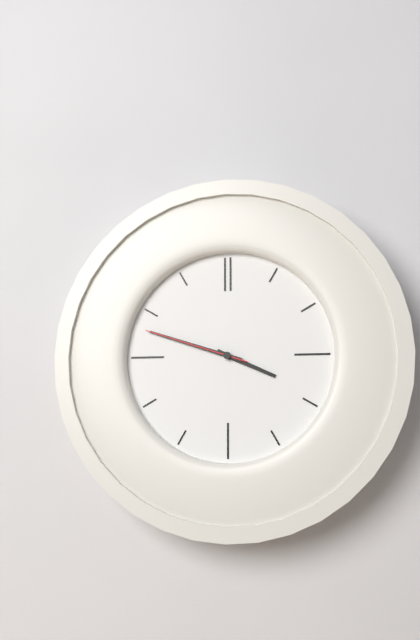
3:48:48
